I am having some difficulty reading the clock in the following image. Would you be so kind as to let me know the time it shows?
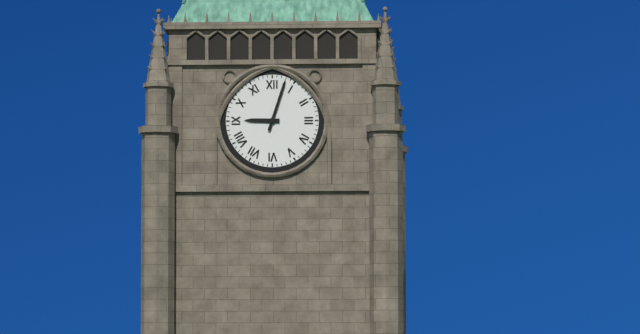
9:03
